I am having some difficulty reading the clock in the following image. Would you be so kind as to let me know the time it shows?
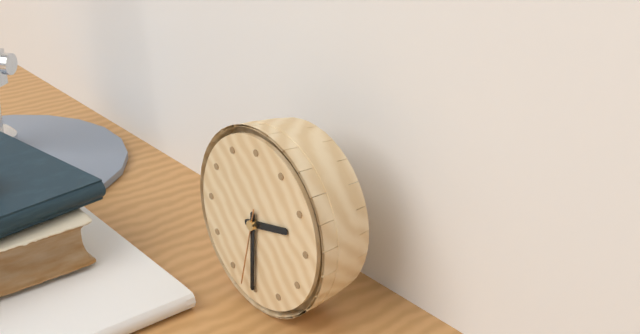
2:30:32
